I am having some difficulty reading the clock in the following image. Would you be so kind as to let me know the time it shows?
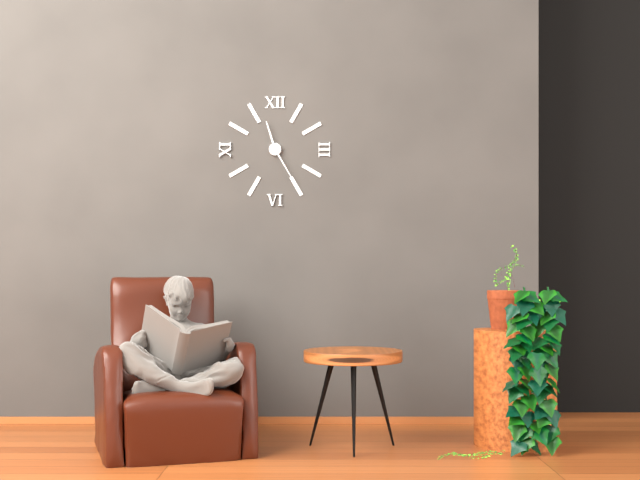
11:25
